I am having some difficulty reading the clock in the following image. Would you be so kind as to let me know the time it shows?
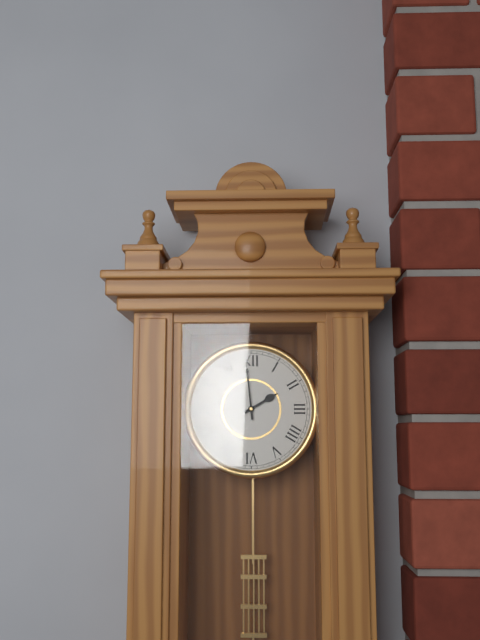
1:59
